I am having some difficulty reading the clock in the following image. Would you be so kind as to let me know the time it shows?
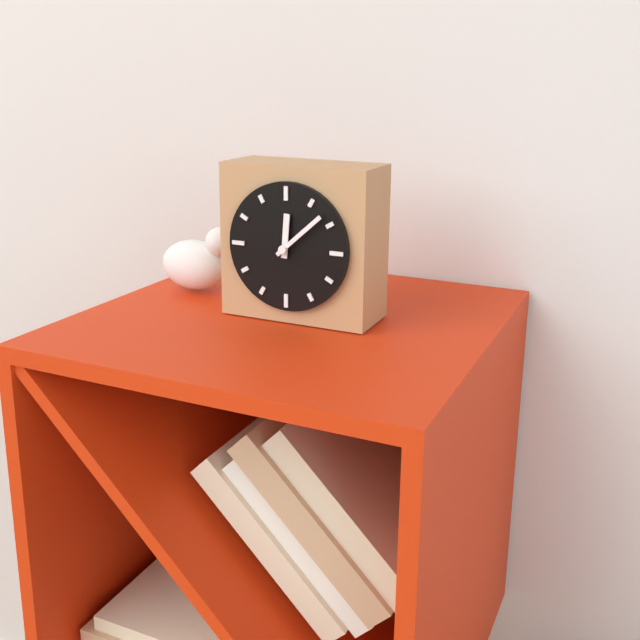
12:08
